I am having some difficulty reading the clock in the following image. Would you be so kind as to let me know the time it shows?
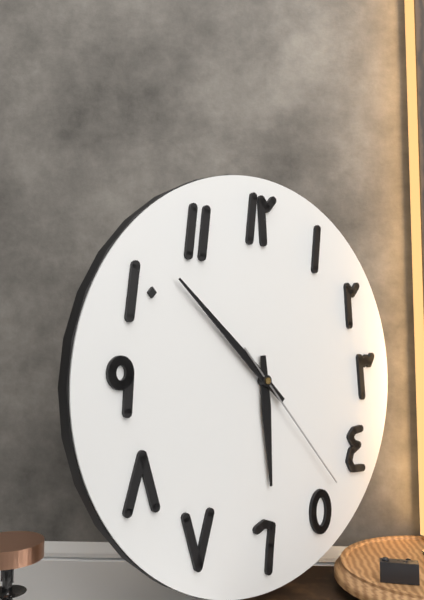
5:52:23
